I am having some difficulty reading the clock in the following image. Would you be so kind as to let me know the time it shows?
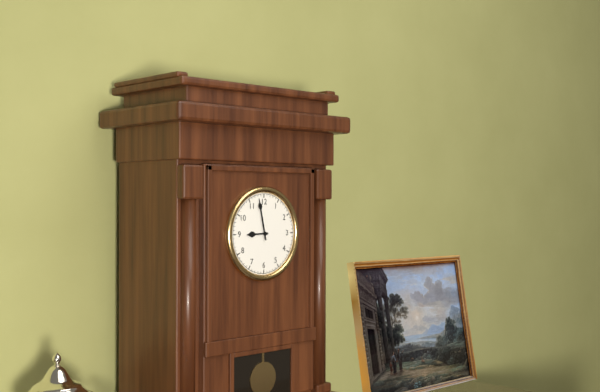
8:58
